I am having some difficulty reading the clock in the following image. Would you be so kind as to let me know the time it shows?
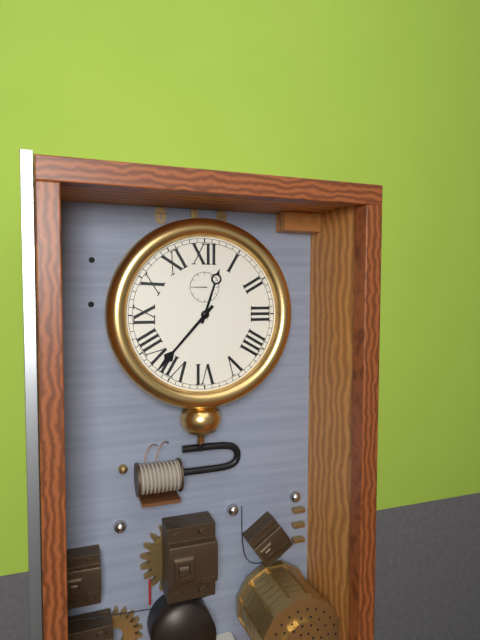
12:37
